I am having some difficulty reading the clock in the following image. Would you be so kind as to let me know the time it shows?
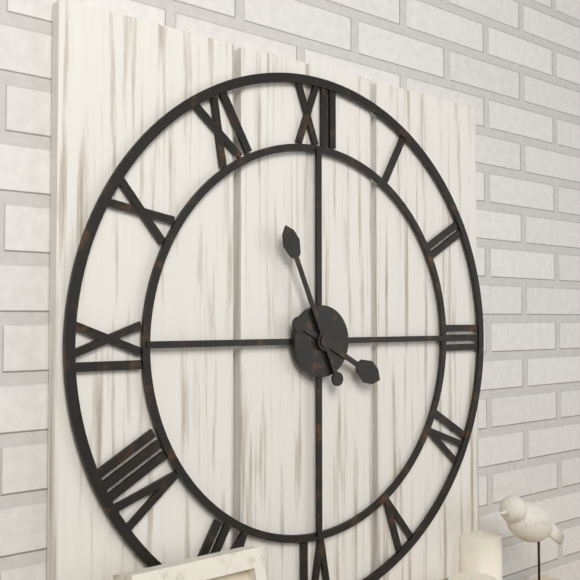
3:56
